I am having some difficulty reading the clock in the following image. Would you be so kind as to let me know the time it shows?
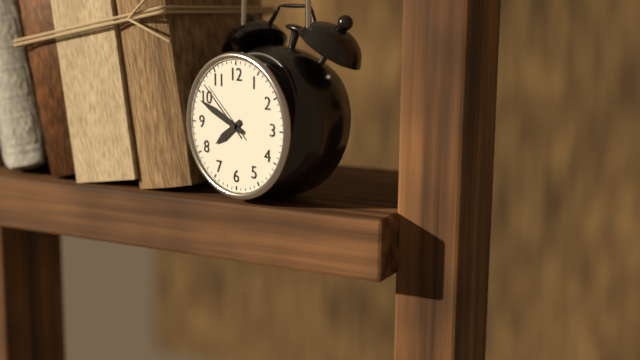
7:49:52
